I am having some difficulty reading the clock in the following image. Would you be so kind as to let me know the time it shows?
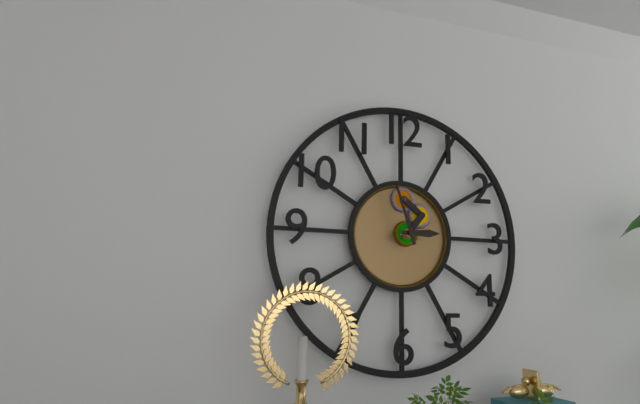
2:57
